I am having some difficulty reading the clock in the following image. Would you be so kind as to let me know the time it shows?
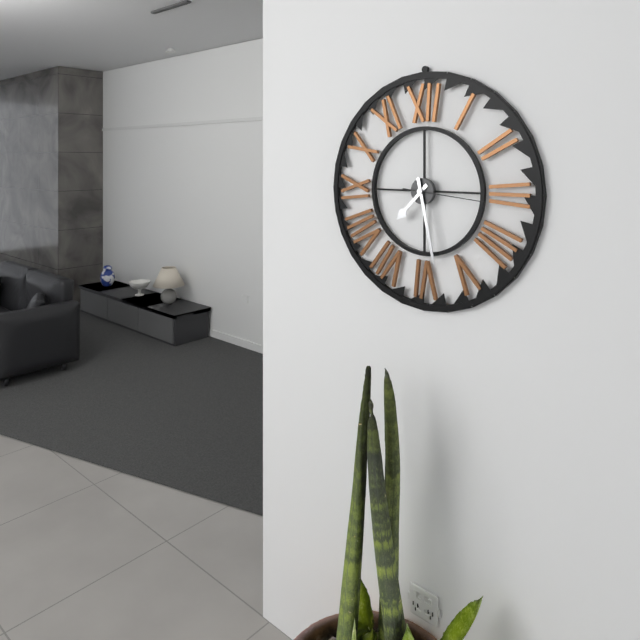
7:28:16
